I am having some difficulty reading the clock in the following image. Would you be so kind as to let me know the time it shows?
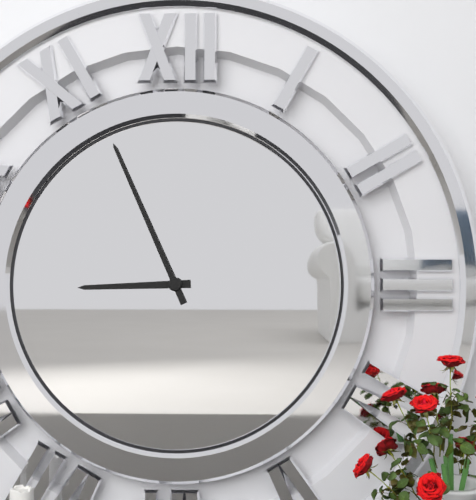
8:56
